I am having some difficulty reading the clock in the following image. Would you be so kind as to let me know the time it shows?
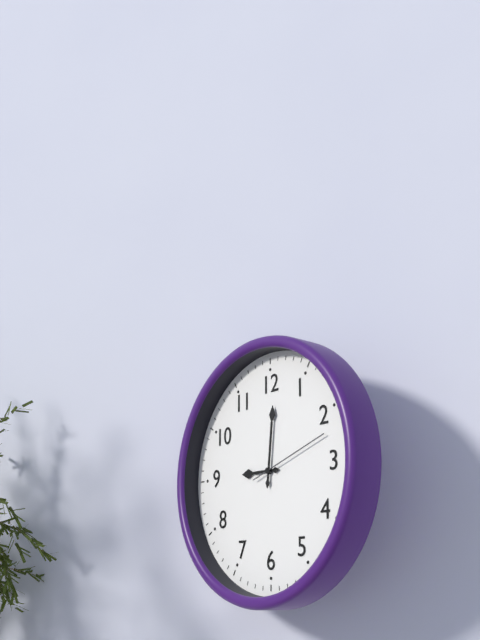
9:01:12
